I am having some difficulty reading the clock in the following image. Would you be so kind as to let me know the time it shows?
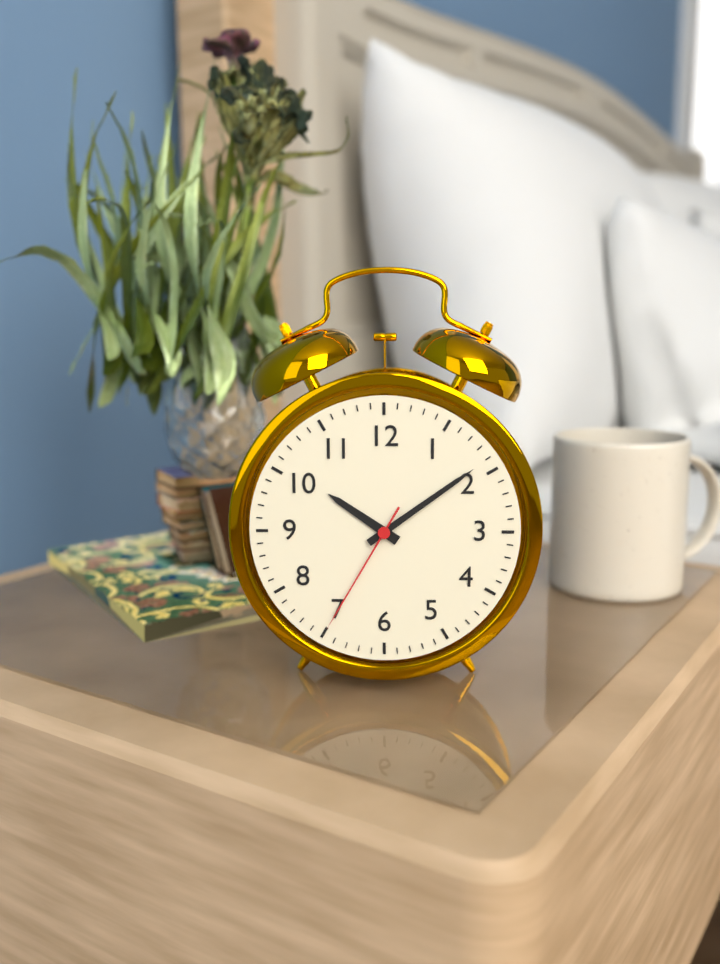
10:09:35
